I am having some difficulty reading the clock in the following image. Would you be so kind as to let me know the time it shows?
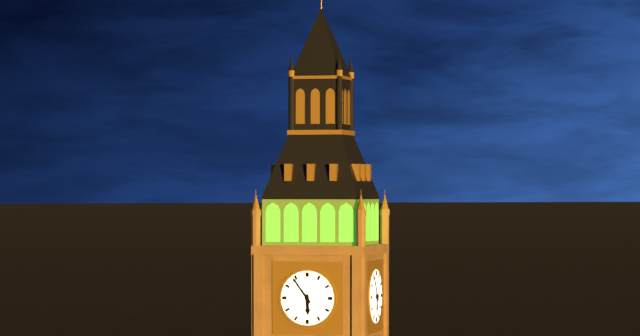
5:54
